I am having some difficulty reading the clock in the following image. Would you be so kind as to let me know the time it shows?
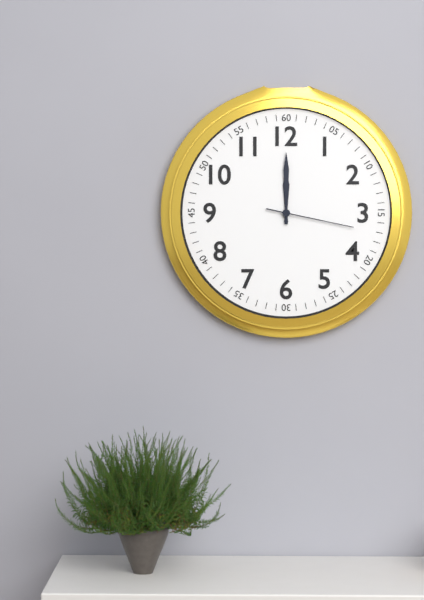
12:00:17
